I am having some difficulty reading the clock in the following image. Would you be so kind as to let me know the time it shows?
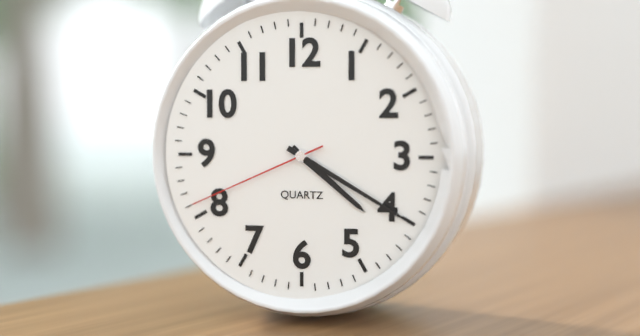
4:20:41
